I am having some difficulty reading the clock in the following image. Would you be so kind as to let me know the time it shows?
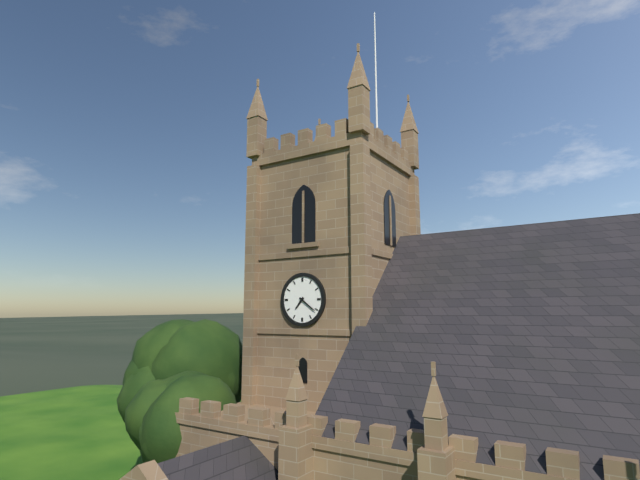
7:21
